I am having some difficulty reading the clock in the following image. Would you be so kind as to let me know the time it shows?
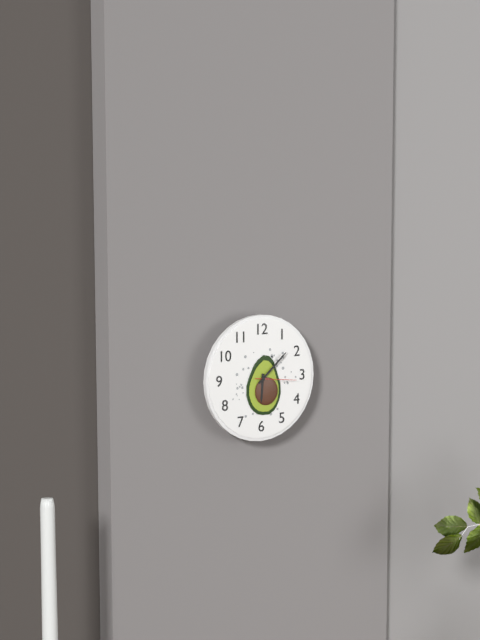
6:08
